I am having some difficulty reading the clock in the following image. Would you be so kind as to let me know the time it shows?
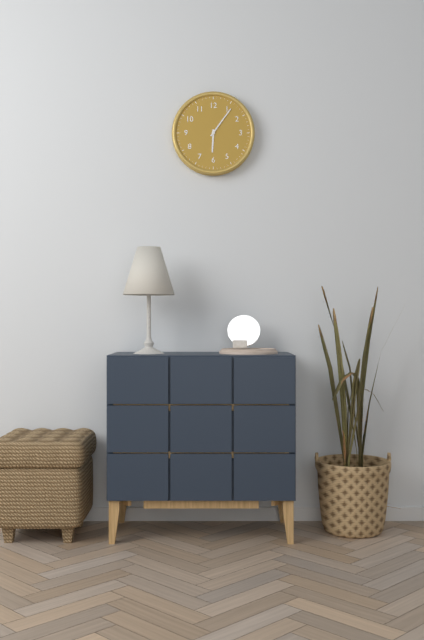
6:06
